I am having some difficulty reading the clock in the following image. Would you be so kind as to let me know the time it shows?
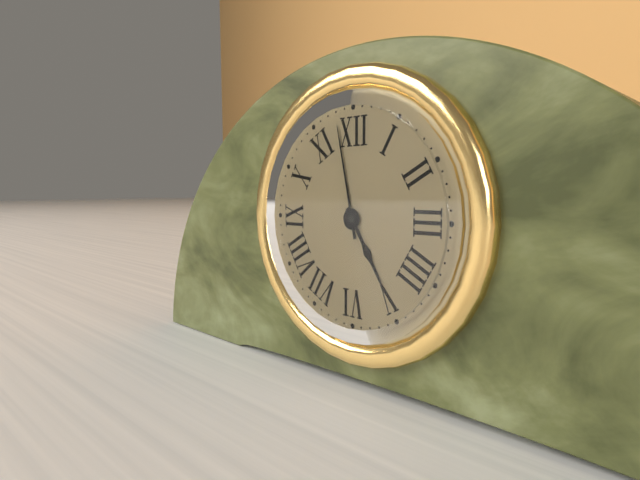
4:58
